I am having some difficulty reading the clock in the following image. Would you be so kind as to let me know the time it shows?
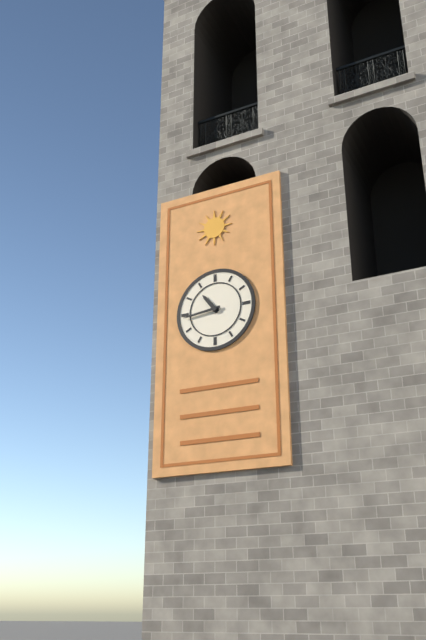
10:44
